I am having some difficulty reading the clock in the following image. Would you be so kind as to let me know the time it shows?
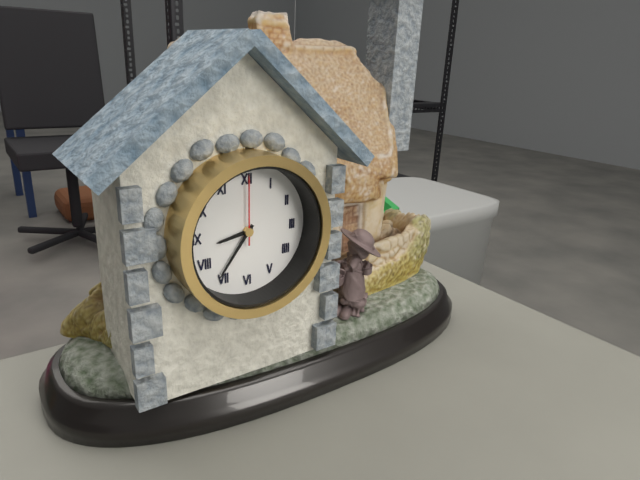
8:36:00
